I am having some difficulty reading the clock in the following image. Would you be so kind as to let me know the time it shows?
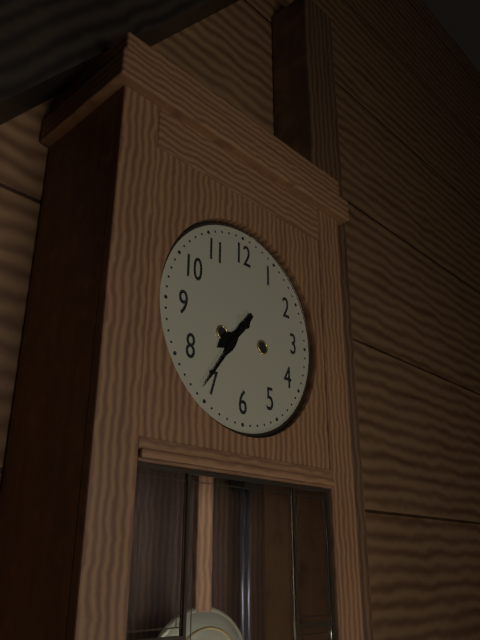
7:36
